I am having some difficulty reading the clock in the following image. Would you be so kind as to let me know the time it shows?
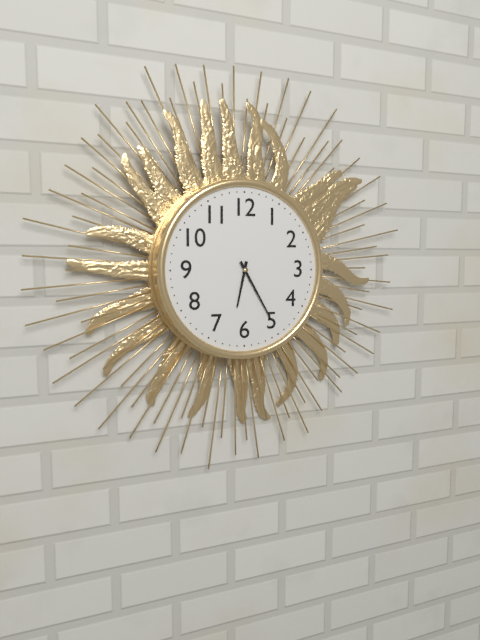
6:25
